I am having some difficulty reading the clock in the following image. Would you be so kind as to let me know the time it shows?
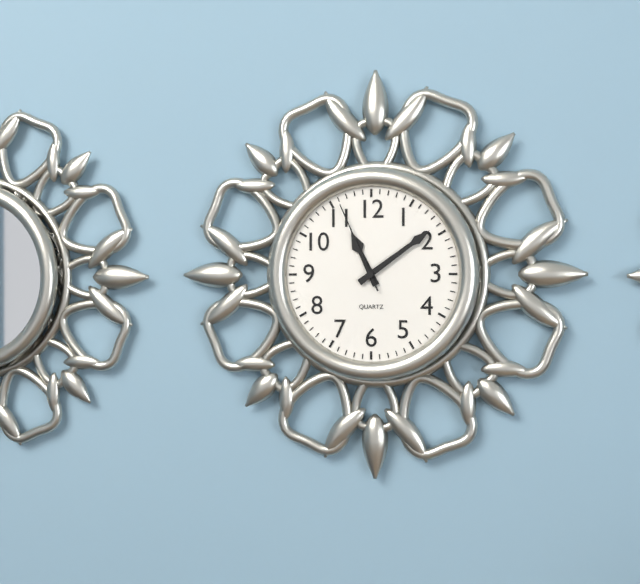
11:09:56
